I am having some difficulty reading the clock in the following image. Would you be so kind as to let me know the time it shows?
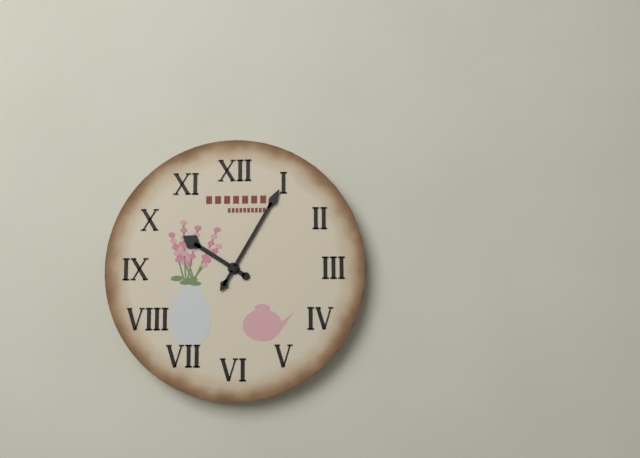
10:05
